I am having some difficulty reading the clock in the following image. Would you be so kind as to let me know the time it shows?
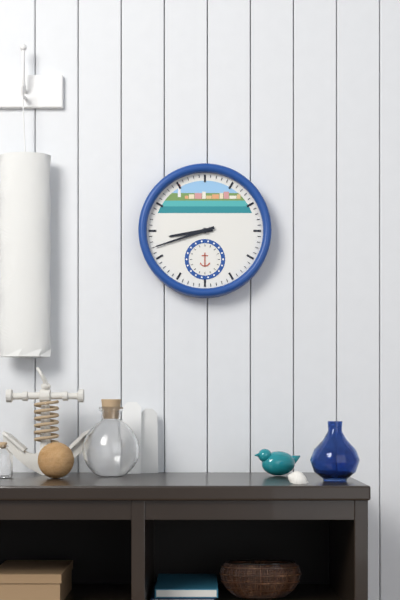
8:42
